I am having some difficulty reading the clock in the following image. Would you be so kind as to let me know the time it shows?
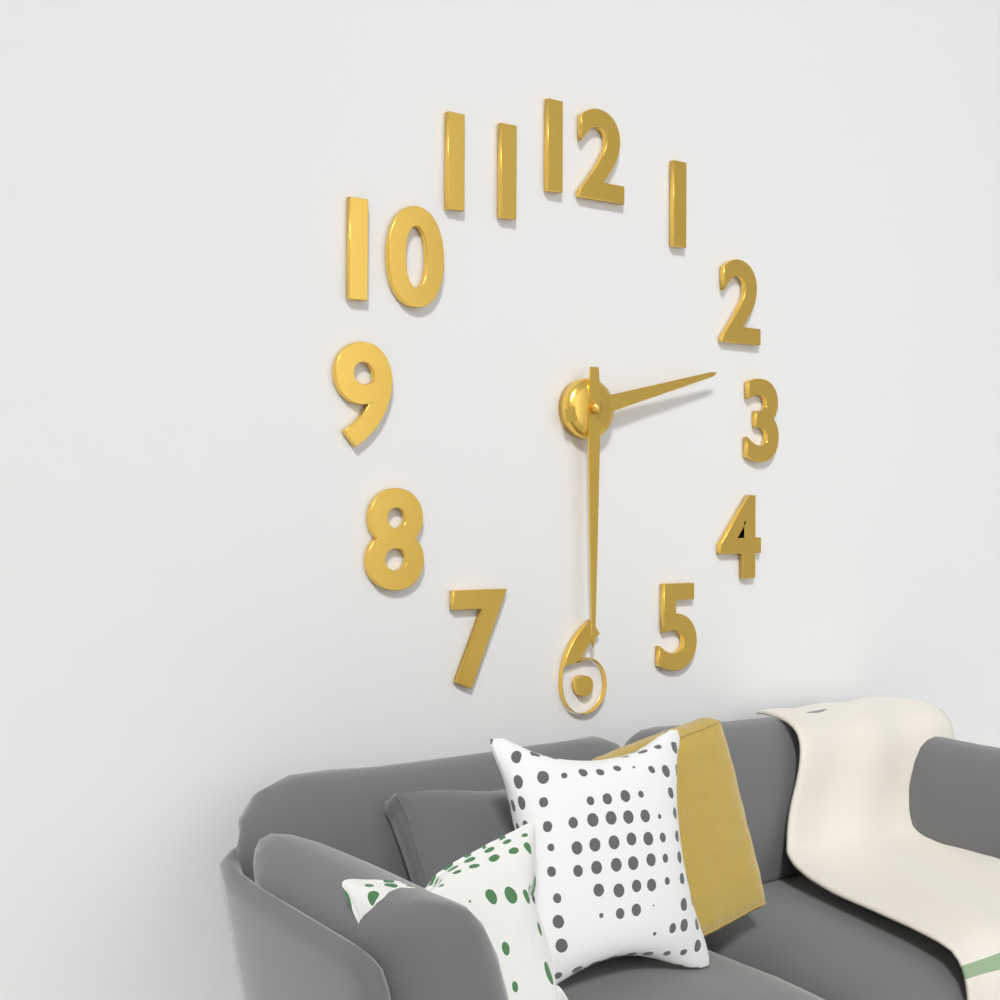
2:30
